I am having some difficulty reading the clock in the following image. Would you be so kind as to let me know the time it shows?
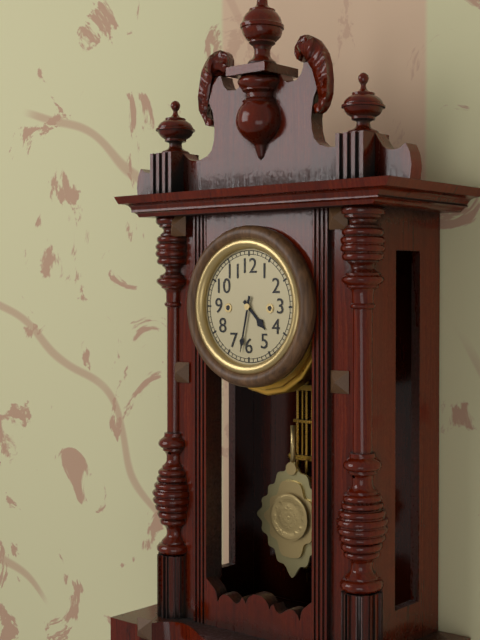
4:32
